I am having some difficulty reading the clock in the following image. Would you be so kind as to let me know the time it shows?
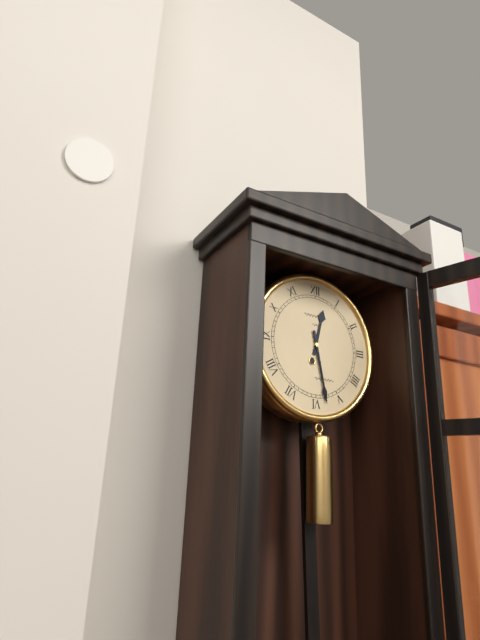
12:28
